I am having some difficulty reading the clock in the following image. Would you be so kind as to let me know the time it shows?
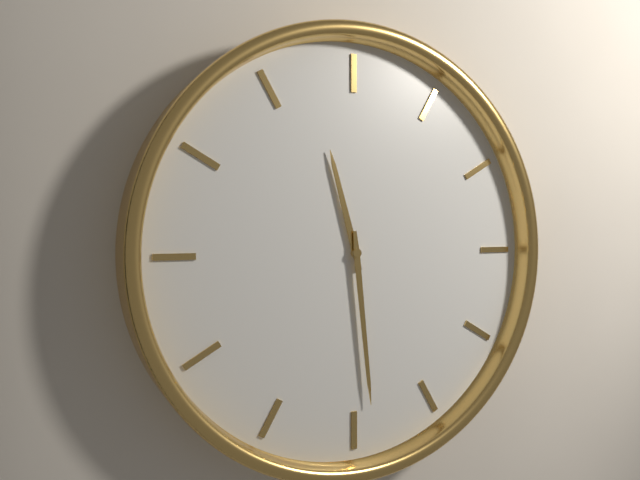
11:29
